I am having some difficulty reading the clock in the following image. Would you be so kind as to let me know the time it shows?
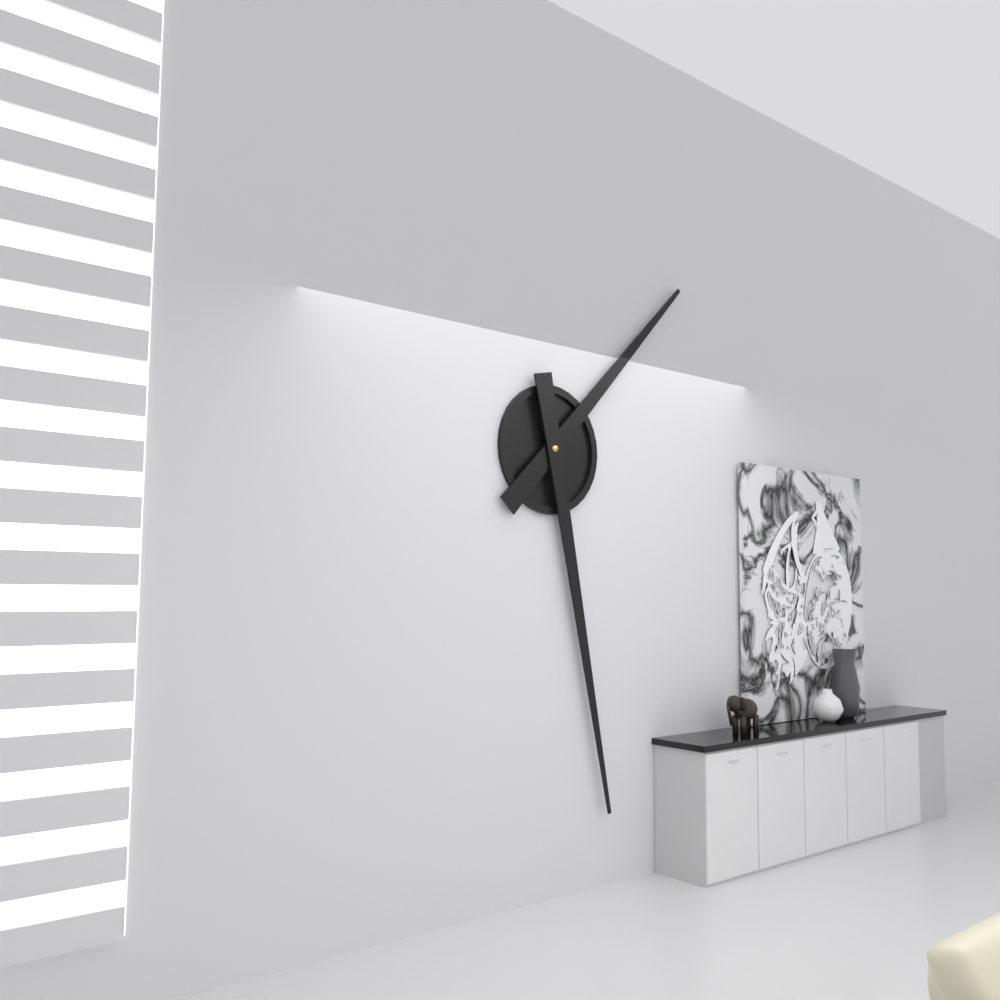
1:28
